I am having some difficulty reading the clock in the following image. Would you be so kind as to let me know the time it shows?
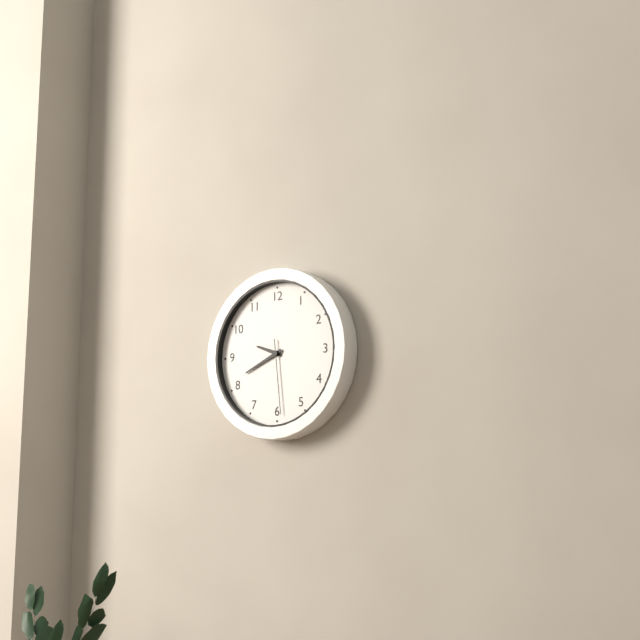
9:41:29
